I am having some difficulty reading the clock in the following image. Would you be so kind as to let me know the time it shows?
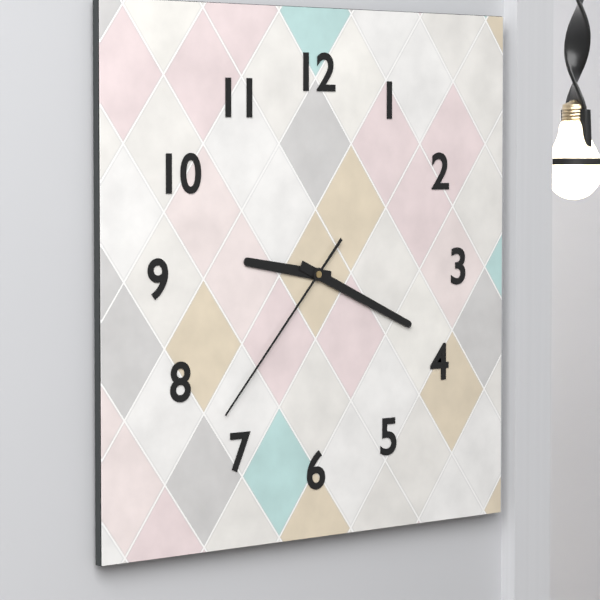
9:19:37
